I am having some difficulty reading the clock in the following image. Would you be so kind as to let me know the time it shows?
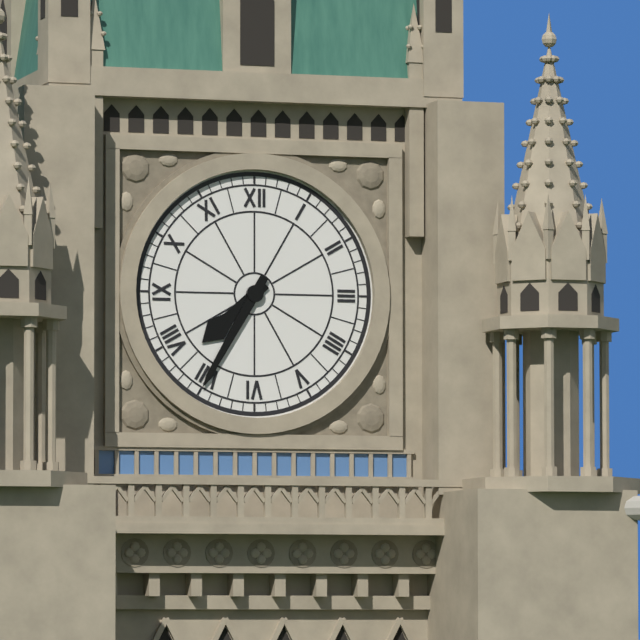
7:35
